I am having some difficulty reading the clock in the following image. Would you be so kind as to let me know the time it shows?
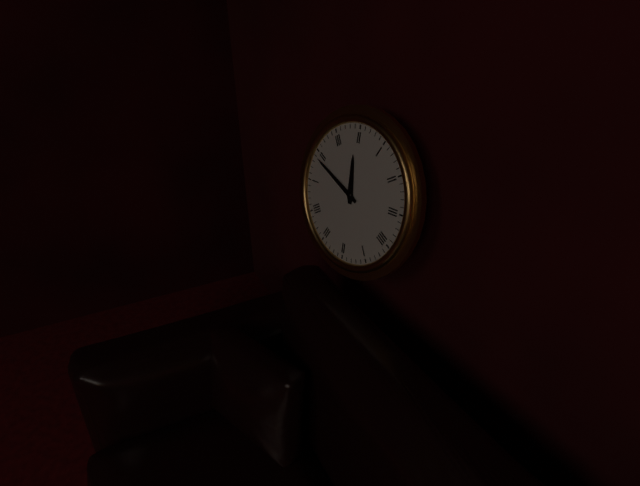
11:49
